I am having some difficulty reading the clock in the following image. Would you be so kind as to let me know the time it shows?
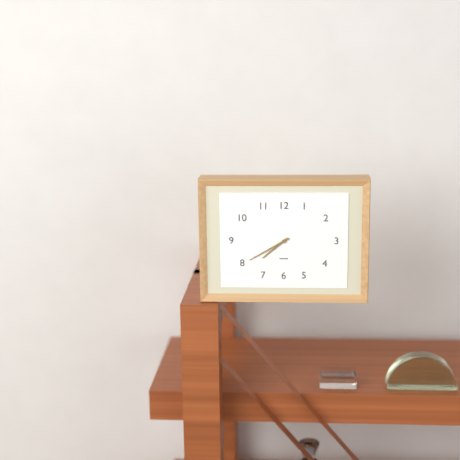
7:40
